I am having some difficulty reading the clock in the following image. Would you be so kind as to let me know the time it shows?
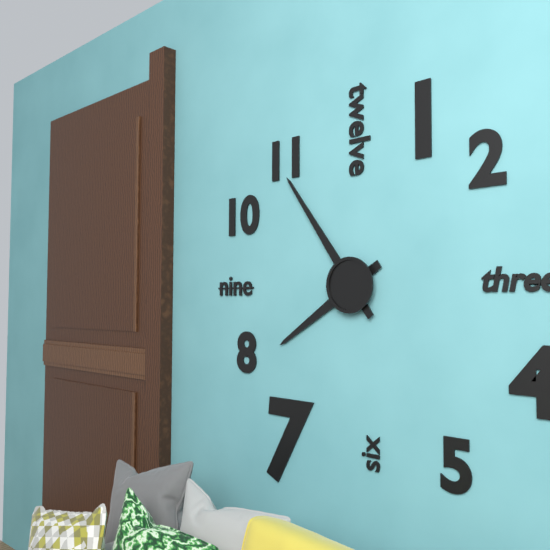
7:54
